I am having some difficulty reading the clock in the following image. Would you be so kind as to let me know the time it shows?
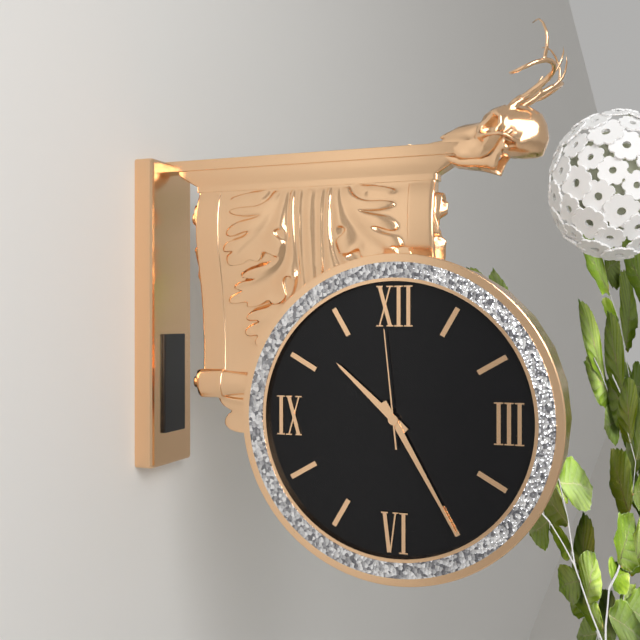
10:25:59
